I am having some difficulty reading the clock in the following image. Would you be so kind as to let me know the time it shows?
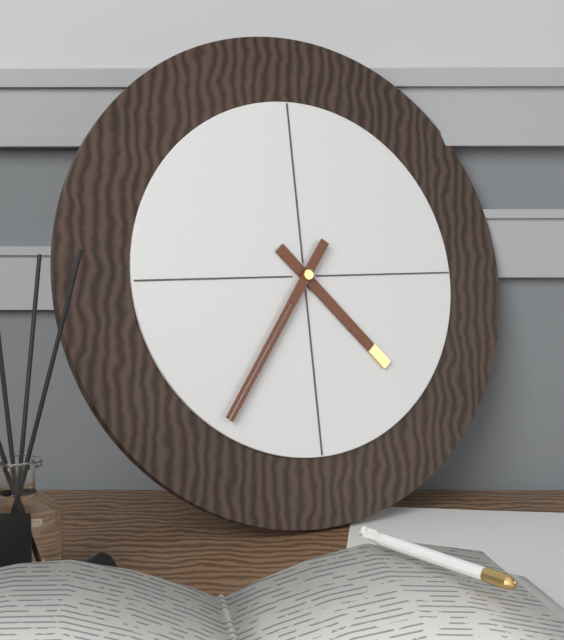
4:36
